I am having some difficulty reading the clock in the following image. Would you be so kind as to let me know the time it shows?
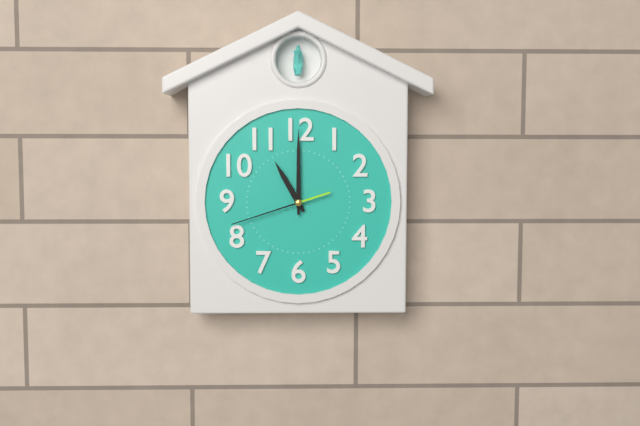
11:00:42
